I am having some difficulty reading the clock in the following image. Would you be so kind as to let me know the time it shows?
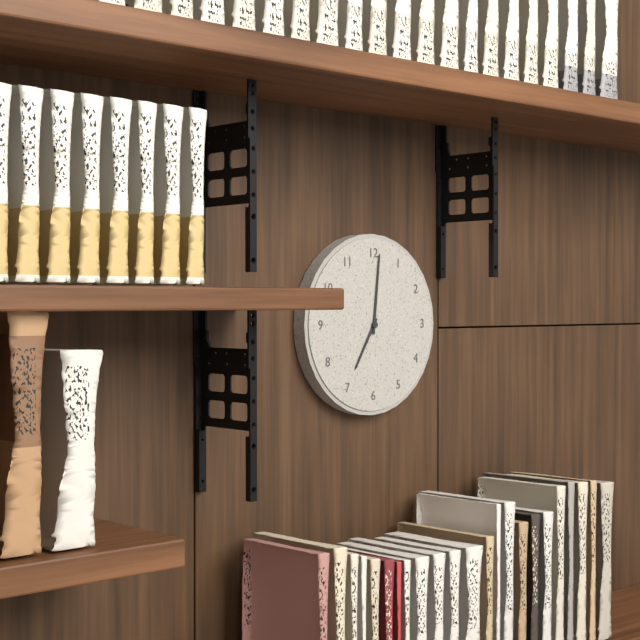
7:01
